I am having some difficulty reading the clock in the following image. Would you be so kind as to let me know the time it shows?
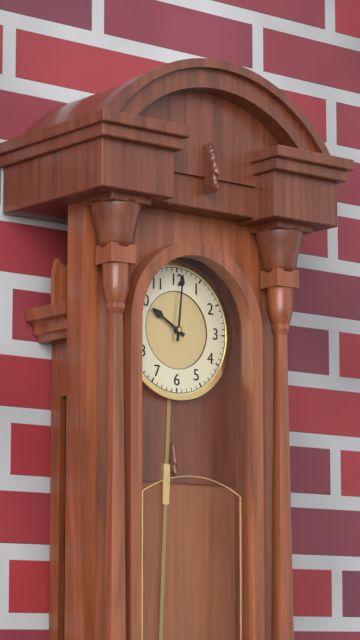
10:01
